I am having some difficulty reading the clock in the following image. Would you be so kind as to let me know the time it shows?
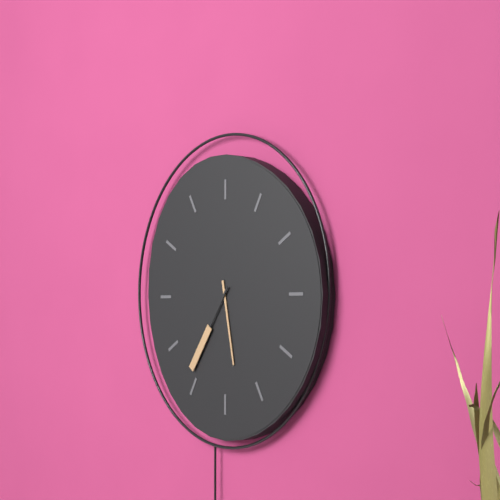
5:36
